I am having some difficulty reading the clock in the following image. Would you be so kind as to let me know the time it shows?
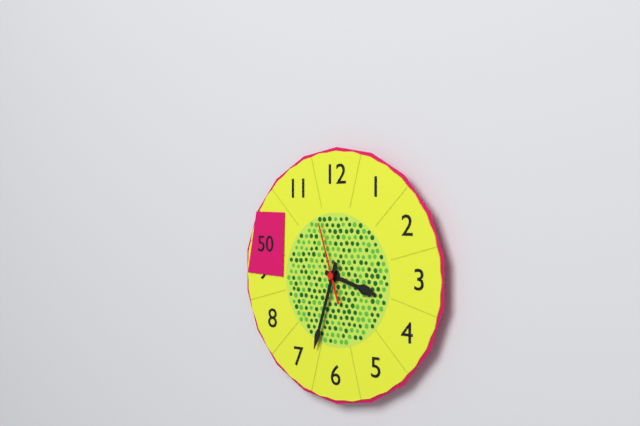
3:33:57
